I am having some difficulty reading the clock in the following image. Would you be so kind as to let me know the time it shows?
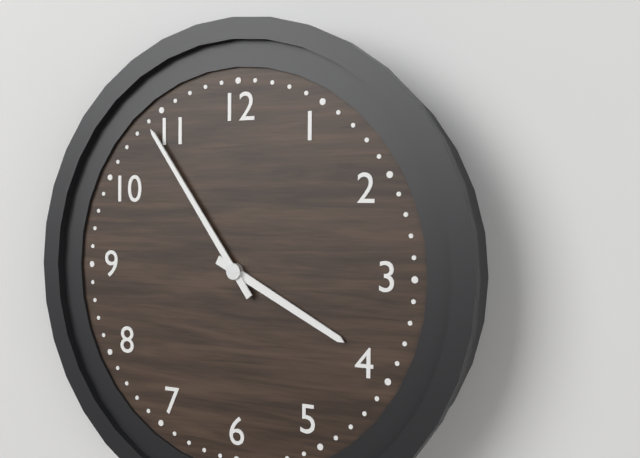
3:54
